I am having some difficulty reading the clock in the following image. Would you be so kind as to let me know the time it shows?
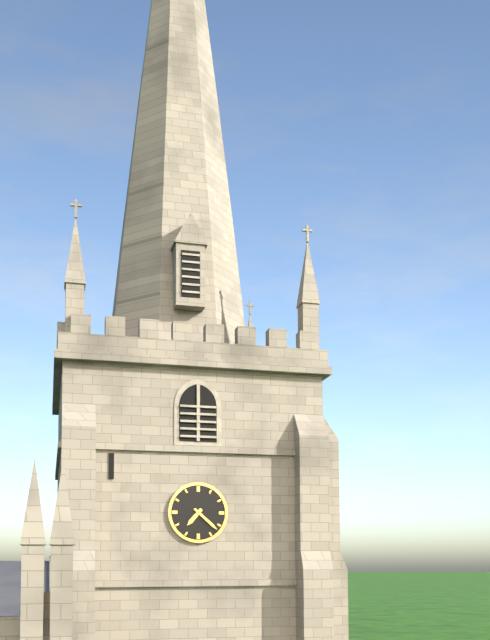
7:22
